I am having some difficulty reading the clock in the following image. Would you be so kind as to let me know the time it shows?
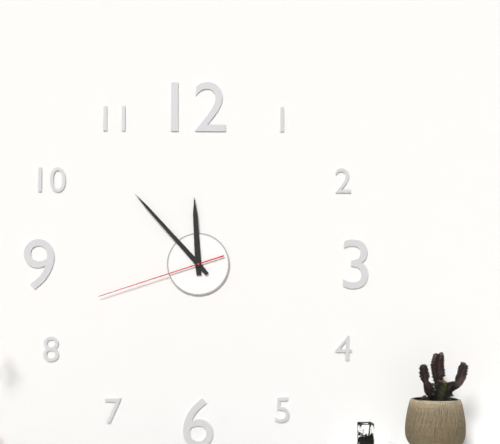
11:53:42
